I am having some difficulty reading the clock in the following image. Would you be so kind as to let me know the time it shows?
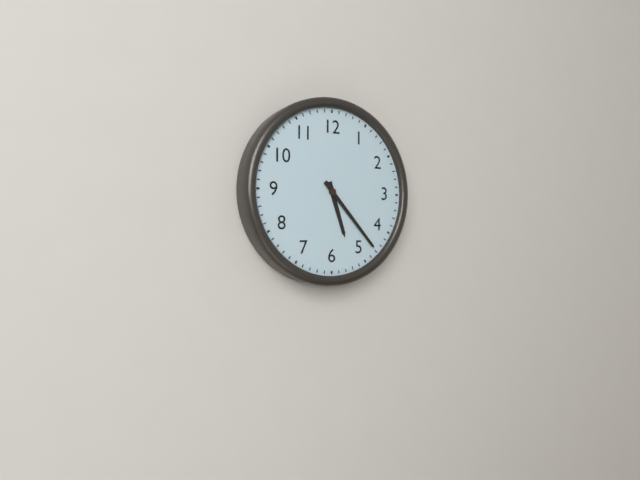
5:23
